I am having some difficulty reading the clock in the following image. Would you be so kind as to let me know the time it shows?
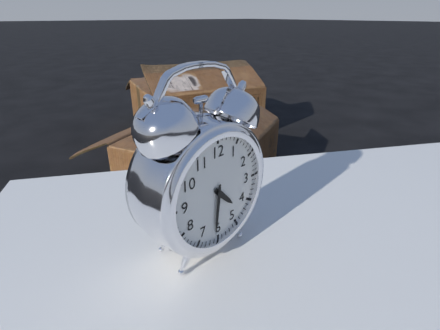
4:31
